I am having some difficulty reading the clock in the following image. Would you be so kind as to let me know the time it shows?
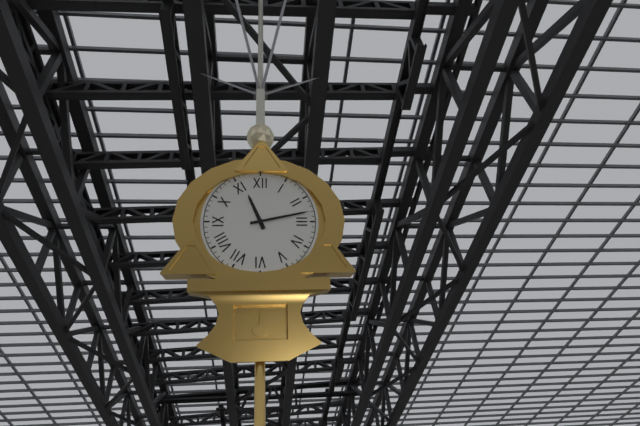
11:13
